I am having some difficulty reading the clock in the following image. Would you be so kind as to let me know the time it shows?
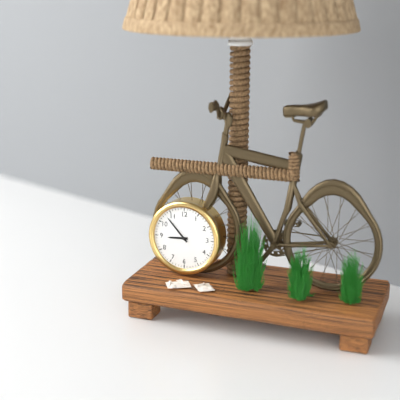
8:53
